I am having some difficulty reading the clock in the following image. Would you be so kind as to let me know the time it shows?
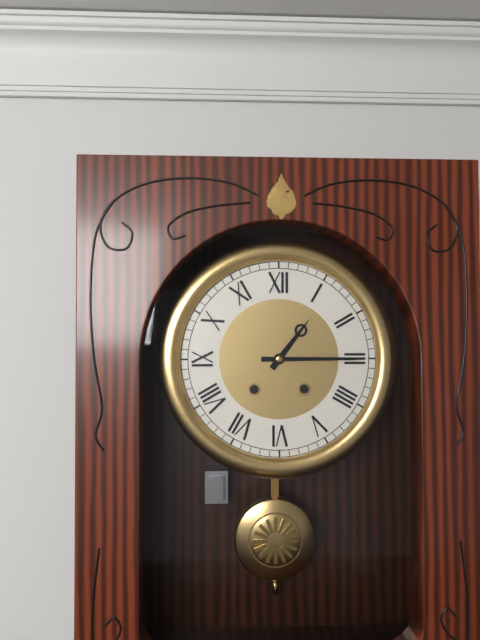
1:15
